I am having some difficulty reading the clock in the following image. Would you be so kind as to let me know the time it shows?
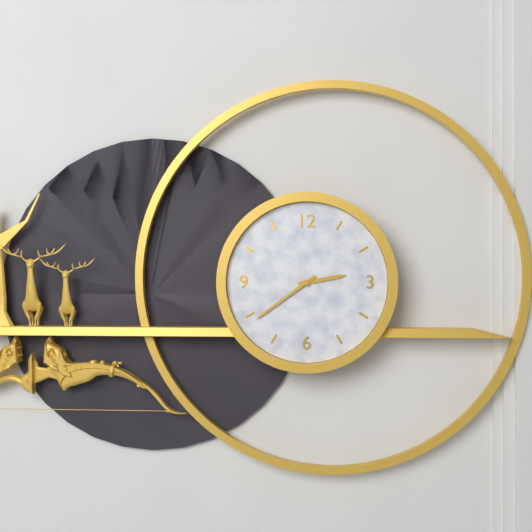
2:39
